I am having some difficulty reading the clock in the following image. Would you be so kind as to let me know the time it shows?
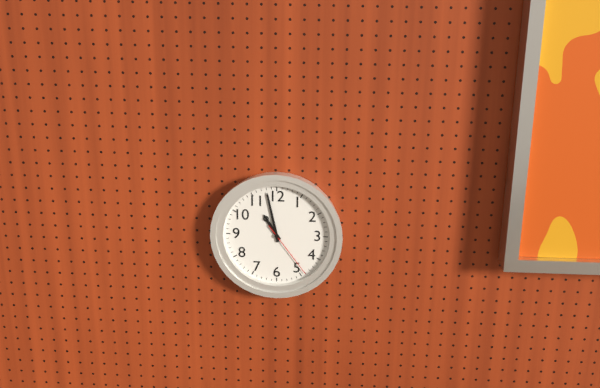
10:58:24
